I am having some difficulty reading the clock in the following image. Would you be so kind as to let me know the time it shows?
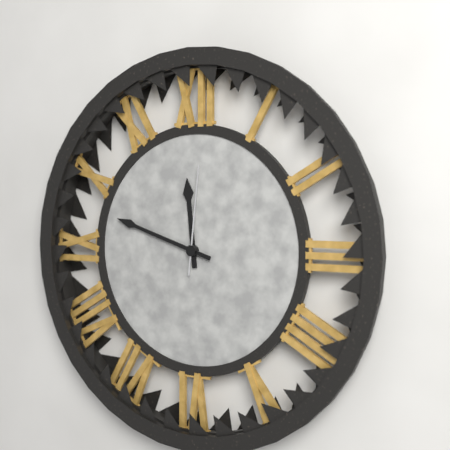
11:48:01
